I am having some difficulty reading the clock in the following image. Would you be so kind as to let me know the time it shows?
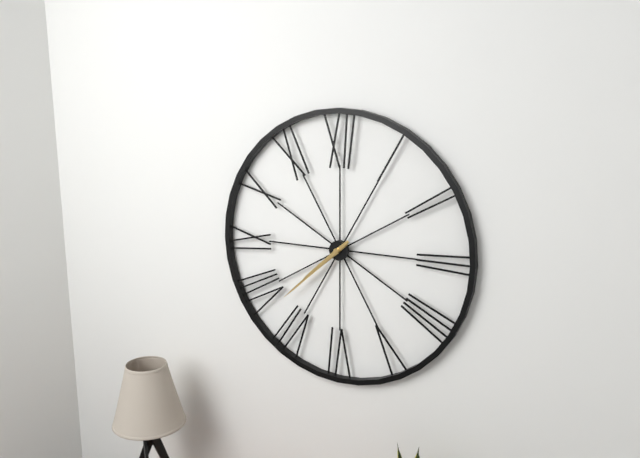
7:38
